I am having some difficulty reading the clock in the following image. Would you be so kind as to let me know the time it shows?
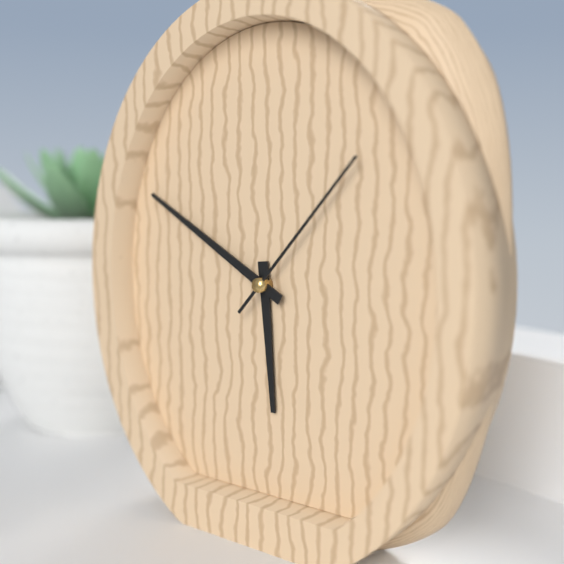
5:50:07
